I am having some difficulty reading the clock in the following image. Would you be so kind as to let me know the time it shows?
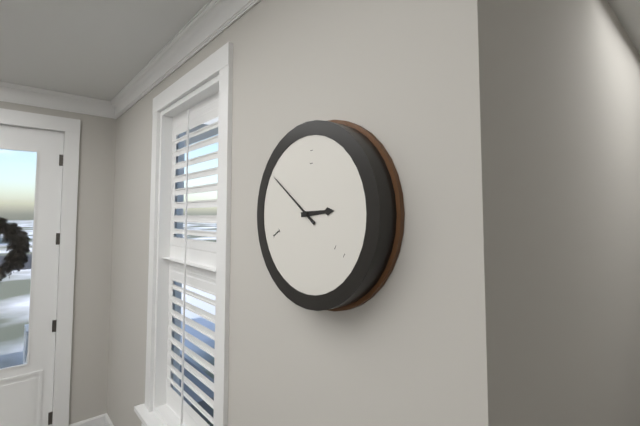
2:51
